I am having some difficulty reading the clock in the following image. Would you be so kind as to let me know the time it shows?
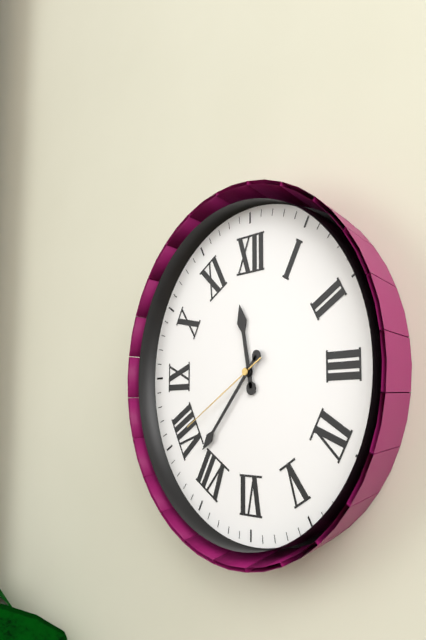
11:37:40
